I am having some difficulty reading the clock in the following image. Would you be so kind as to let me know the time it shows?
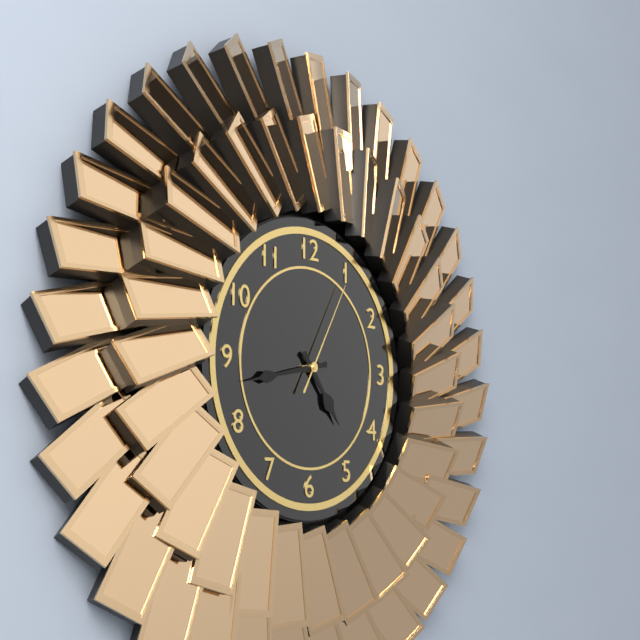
4:43:05
